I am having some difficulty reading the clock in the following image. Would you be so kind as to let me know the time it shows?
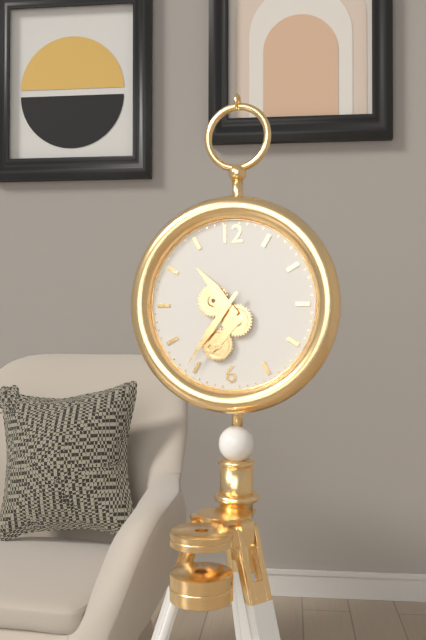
10:36
